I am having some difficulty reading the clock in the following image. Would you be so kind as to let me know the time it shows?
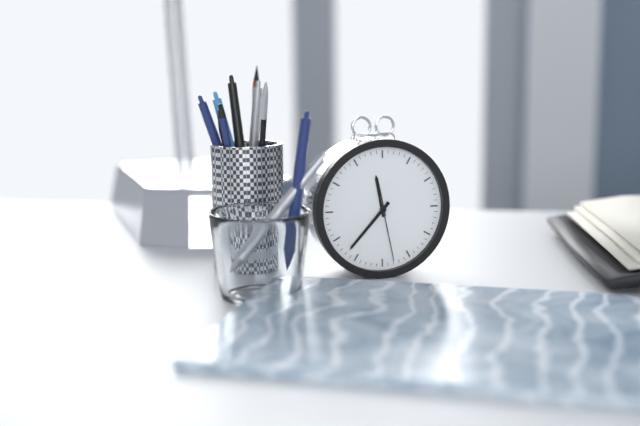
11:37:28
